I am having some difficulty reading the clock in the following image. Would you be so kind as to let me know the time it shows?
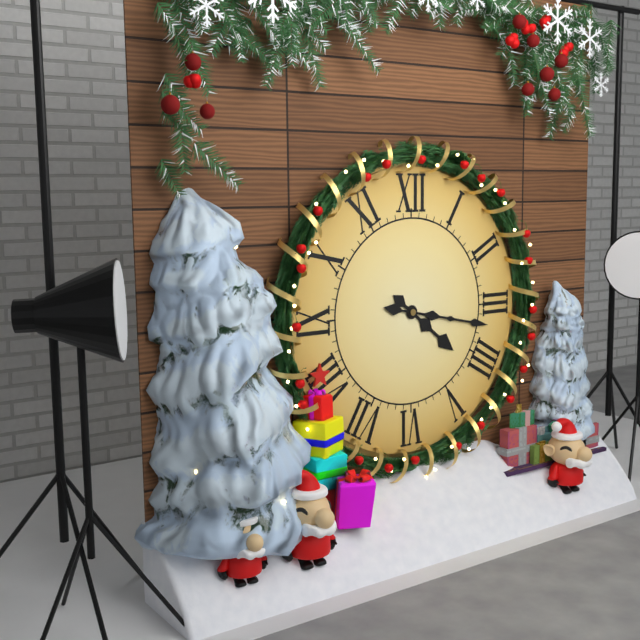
4:17
